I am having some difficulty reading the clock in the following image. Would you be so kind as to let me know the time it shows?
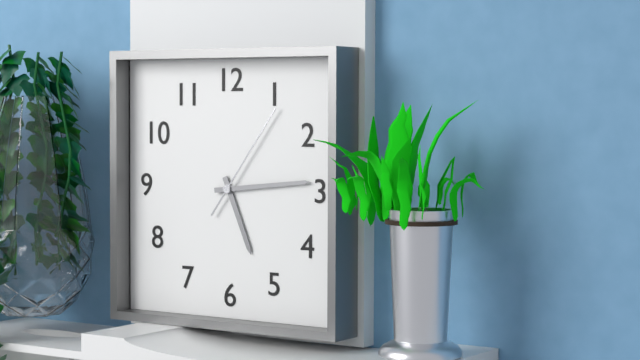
5:14:06
